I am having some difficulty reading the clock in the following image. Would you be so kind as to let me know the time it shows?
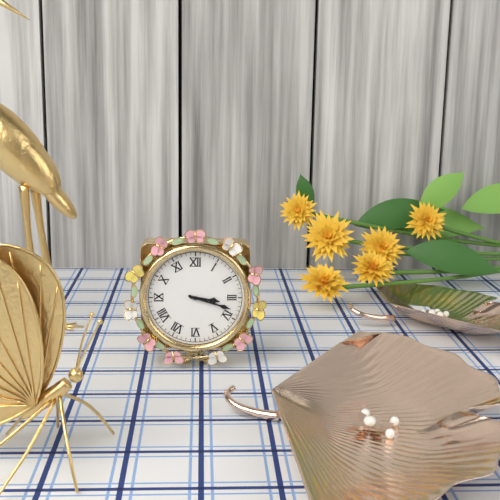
3:18
